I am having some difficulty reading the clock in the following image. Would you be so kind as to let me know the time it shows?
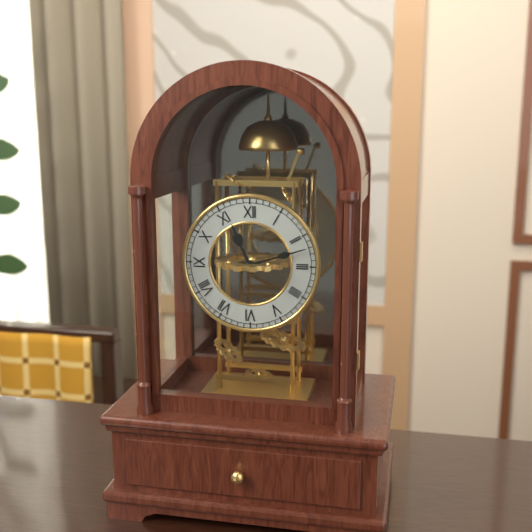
11:12
